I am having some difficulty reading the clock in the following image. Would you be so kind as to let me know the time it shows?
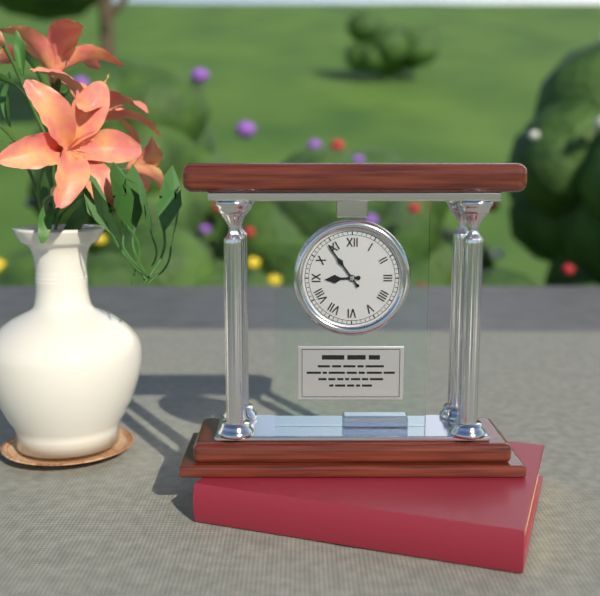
8:54
